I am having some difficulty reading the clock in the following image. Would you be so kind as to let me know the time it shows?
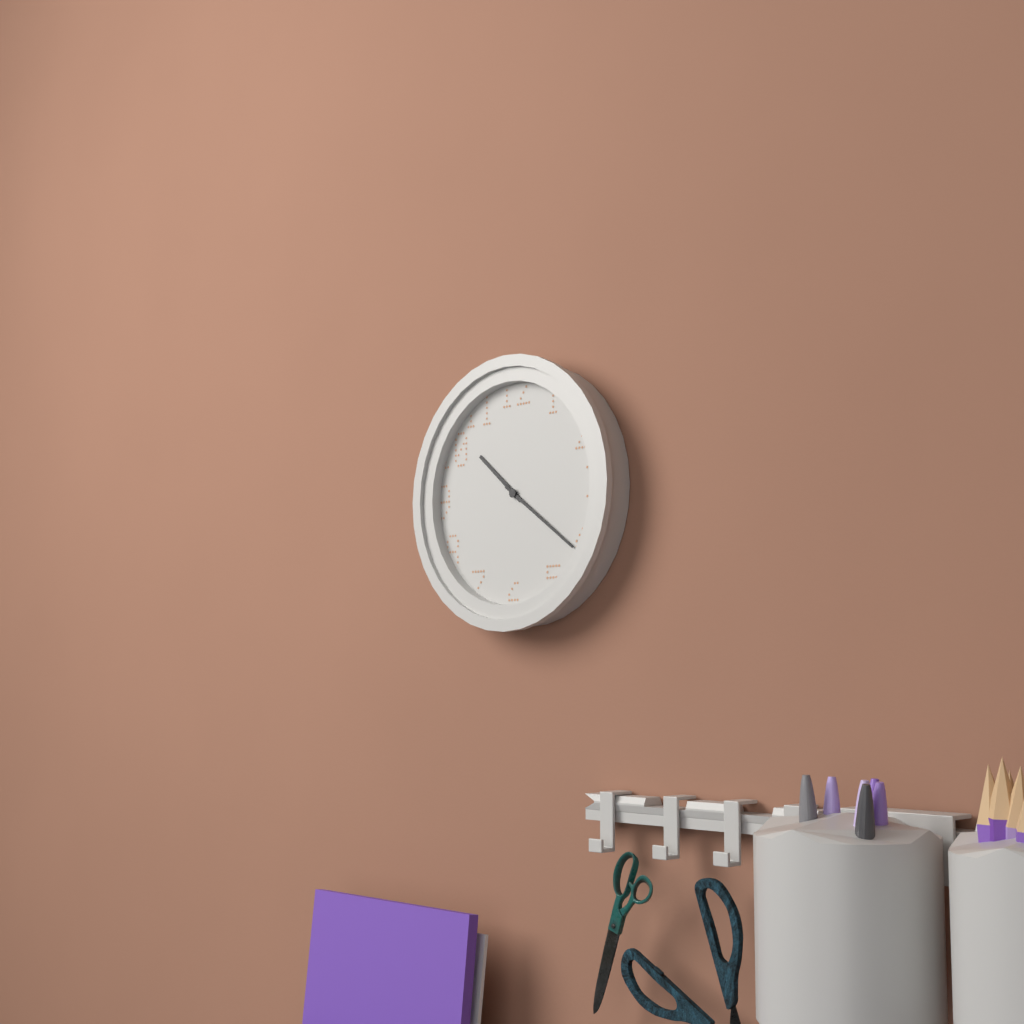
10:21
